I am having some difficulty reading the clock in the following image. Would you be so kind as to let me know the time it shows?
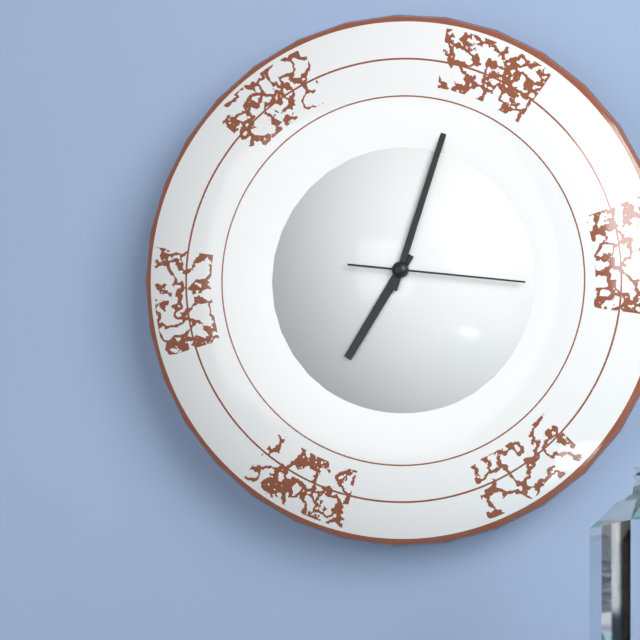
7:03:16
